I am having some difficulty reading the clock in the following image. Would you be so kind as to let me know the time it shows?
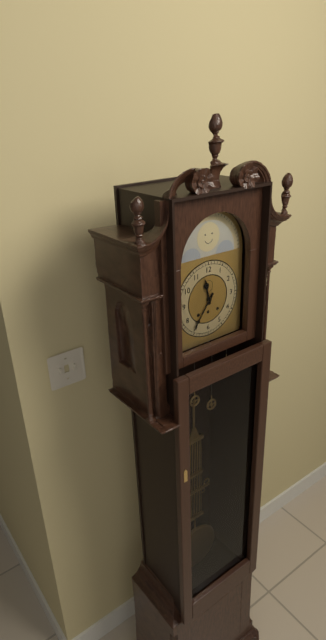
11:36
